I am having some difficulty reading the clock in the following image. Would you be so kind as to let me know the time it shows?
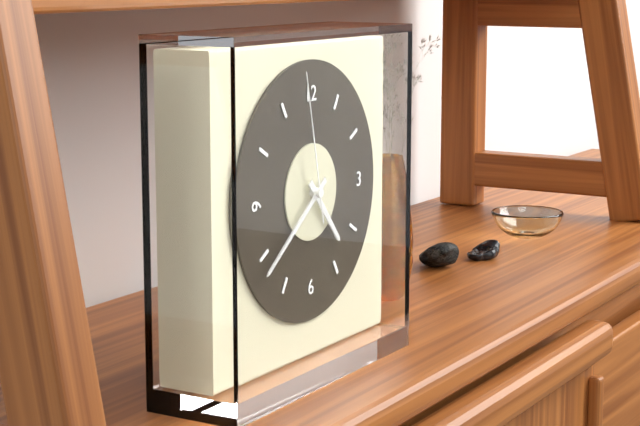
4:39:58
